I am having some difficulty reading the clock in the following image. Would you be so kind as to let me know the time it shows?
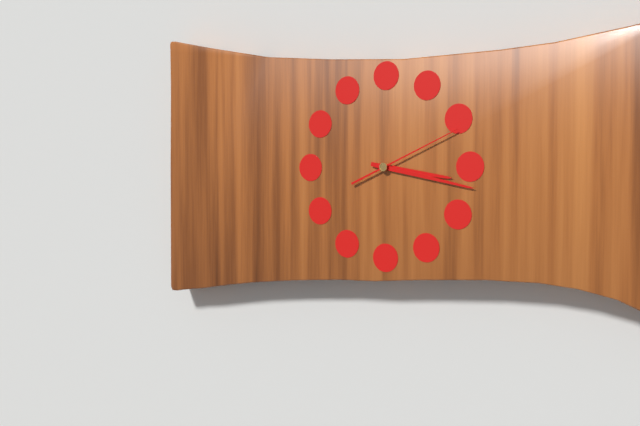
3:17:11
